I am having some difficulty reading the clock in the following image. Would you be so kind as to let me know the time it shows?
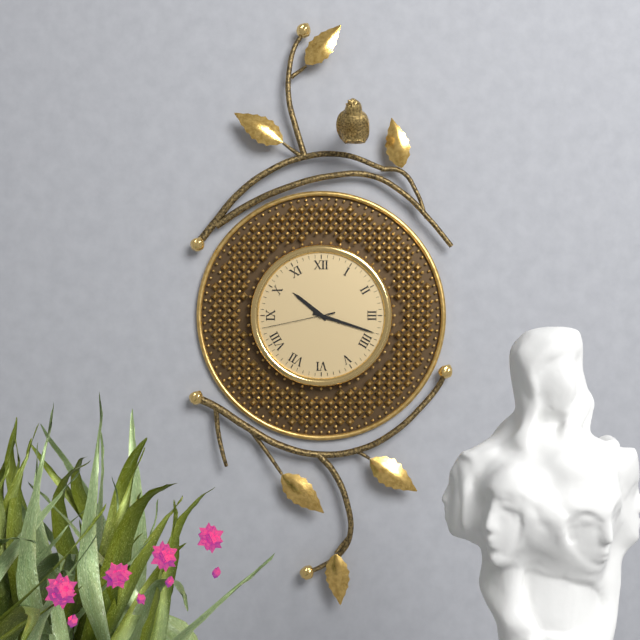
10:18:43
